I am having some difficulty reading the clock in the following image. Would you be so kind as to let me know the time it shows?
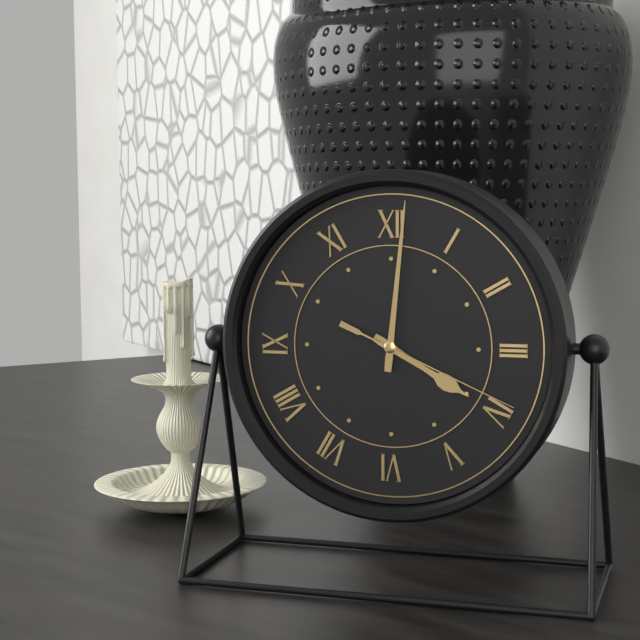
4:01:19
